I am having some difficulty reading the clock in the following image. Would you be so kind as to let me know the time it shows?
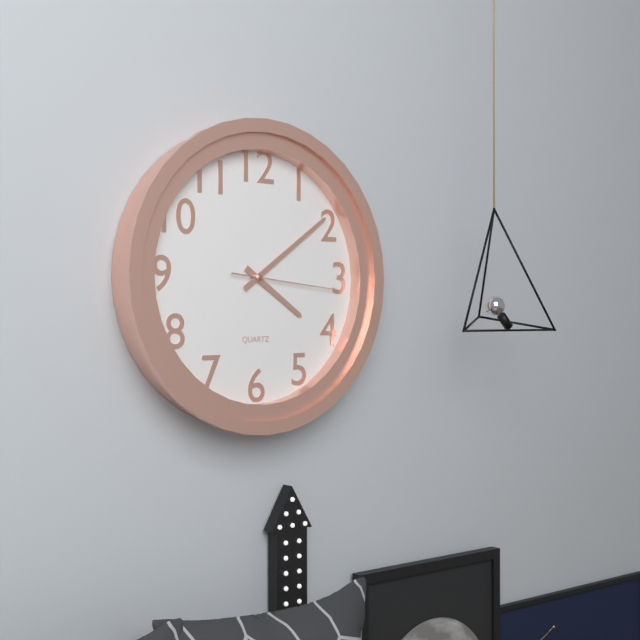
4:09:16
